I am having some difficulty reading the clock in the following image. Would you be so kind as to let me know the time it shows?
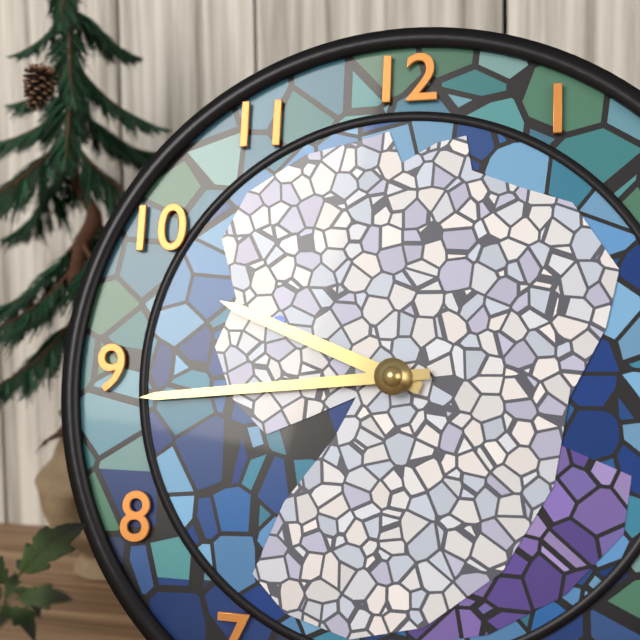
9:44
